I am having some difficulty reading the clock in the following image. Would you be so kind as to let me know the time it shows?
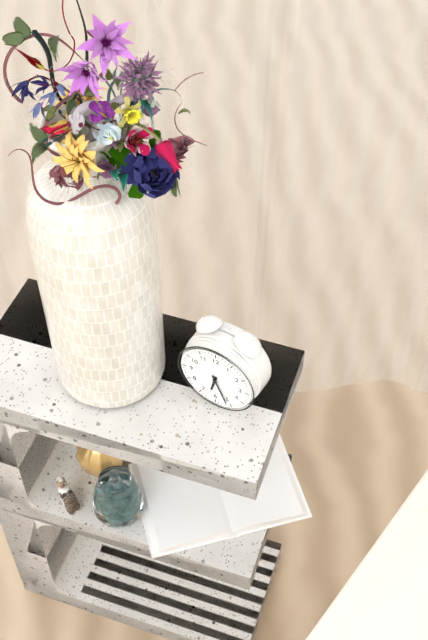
6:26
